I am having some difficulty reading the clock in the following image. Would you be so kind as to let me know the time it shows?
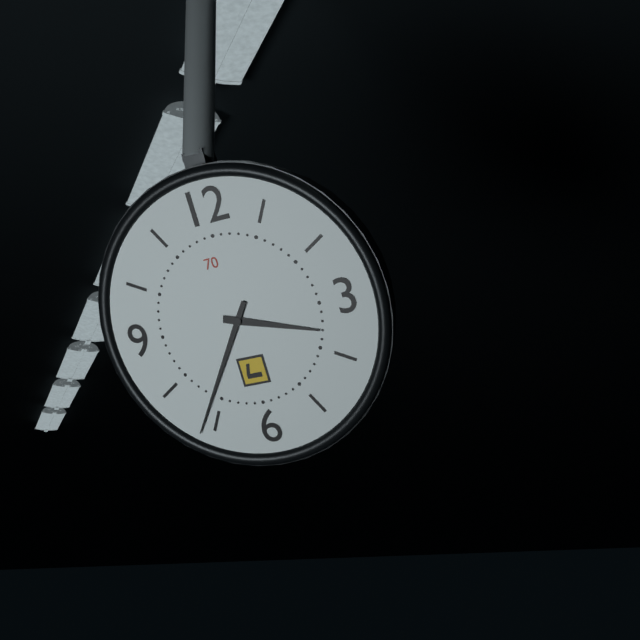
3:36
